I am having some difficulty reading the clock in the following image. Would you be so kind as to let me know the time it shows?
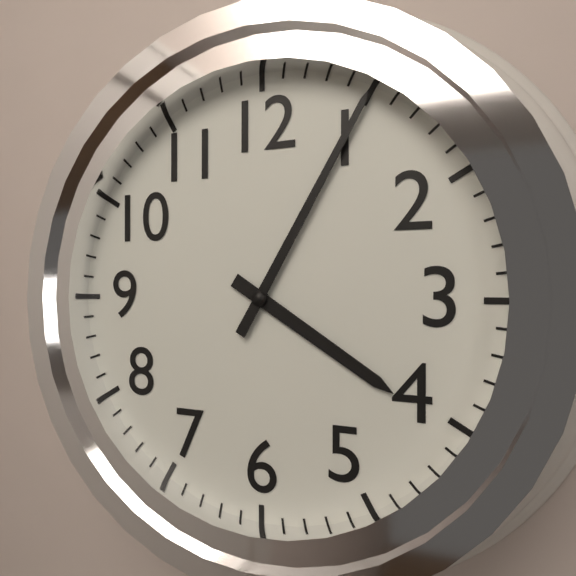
4:05
